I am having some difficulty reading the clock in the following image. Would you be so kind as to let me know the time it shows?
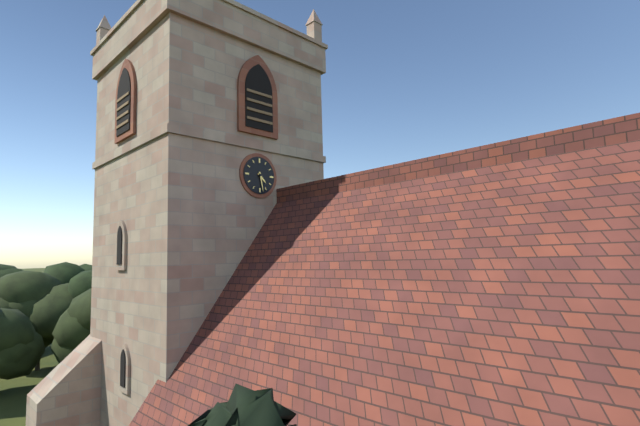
4:28
